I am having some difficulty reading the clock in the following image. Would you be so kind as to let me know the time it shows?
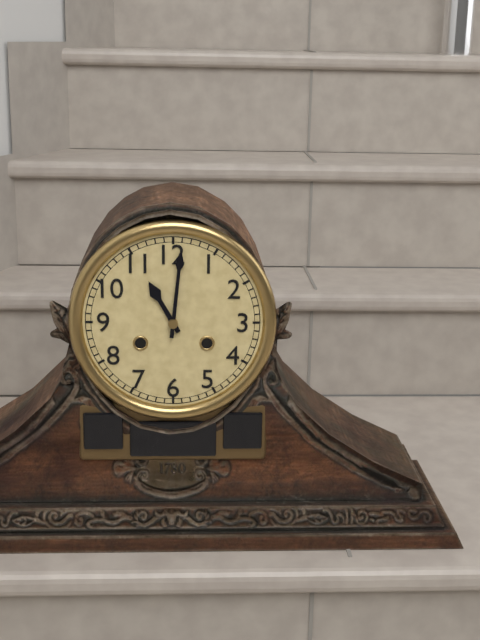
11:01
